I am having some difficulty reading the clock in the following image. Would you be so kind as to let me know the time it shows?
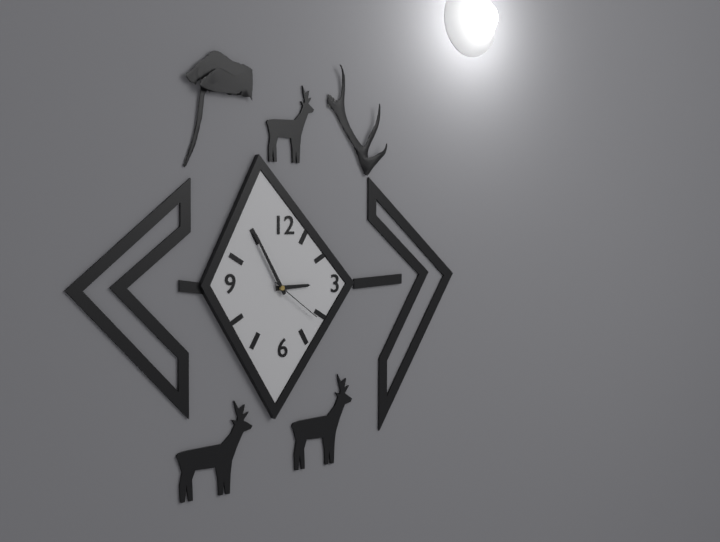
2:55:21
